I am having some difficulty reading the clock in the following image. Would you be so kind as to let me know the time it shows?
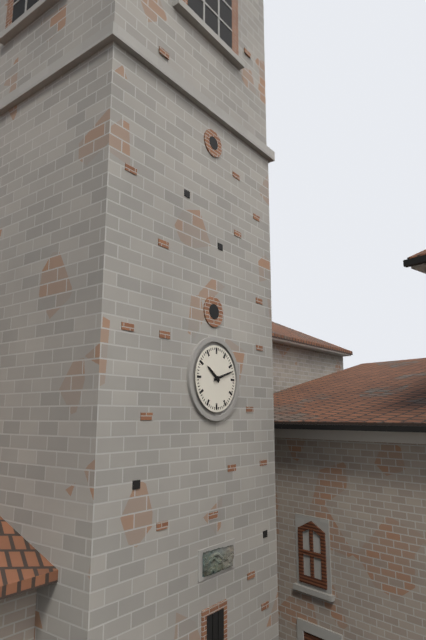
10:12
